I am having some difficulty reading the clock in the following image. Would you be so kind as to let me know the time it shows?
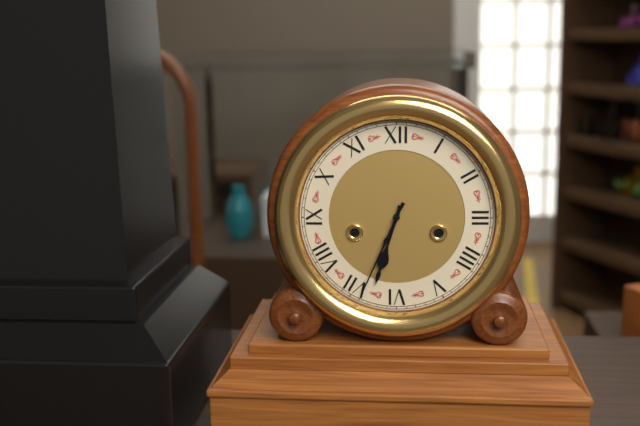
6:34
